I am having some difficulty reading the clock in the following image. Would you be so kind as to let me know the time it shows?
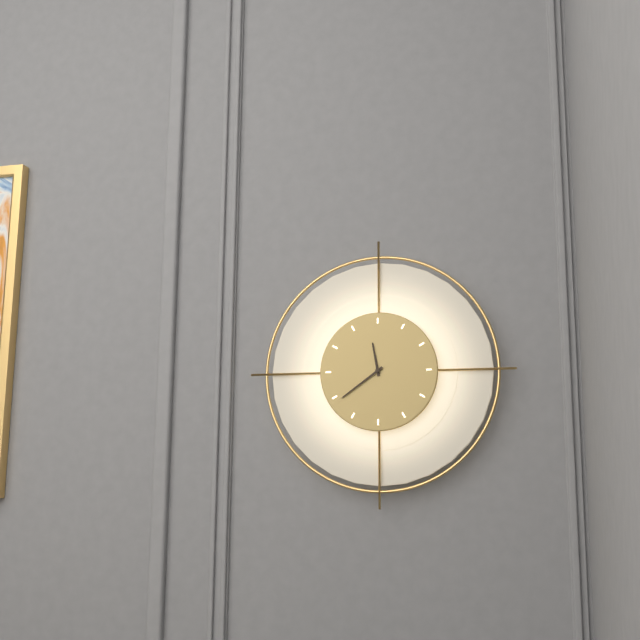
11:39
